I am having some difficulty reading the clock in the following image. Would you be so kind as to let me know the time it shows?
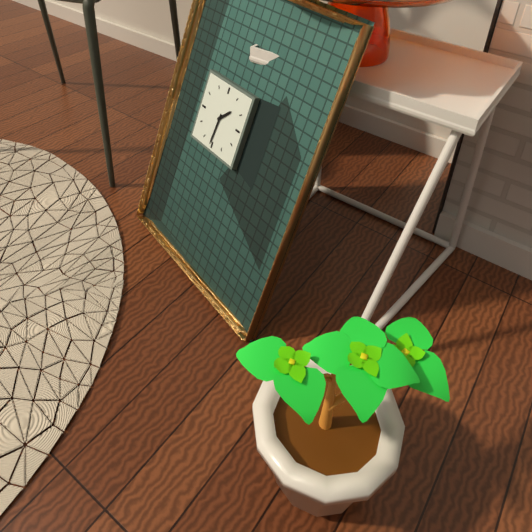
1:31
